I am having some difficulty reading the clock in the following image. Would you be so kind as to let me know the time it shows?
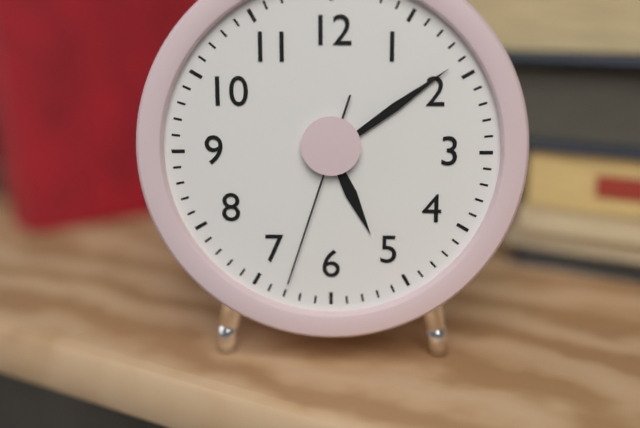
5:09:33
